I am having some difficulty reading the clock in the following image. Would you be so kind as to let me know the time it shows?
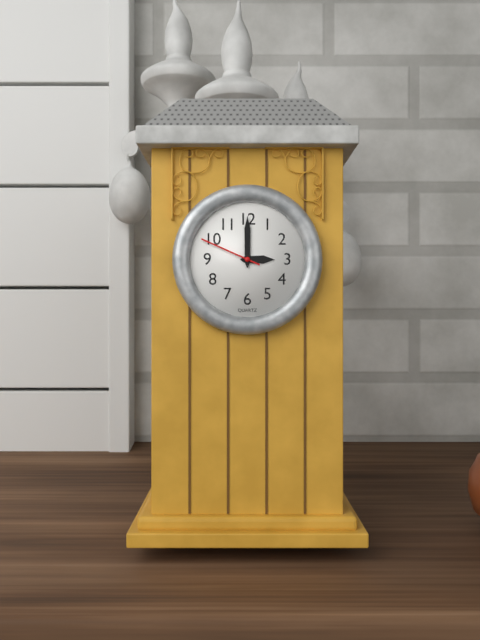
3:00:49
